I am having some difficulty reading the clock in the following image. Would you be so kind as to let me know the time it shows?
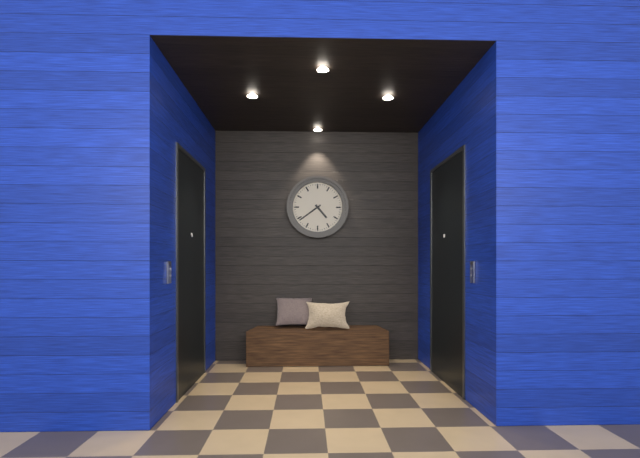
4:39
